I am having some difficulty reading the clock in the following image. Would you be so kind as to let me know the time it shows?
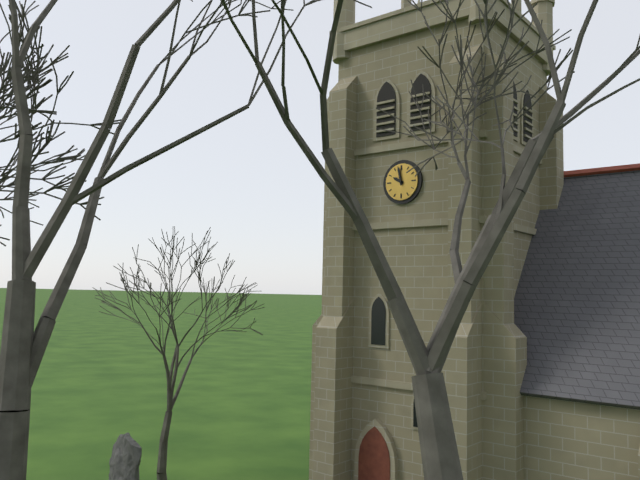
9:58
